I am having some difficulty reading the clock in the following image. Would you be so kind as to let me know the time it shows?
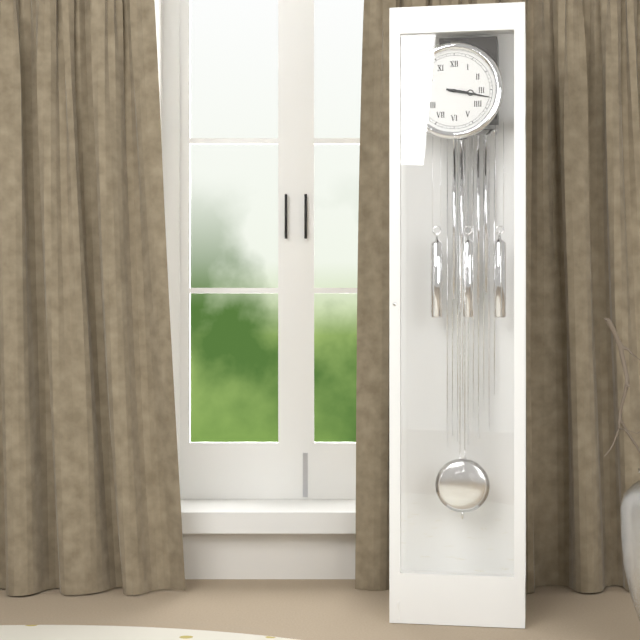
3:17
